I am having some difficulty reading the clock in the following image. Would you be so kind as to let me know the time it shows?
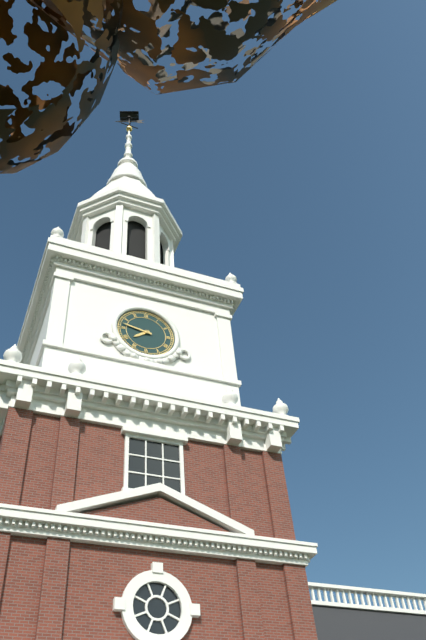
7:47
